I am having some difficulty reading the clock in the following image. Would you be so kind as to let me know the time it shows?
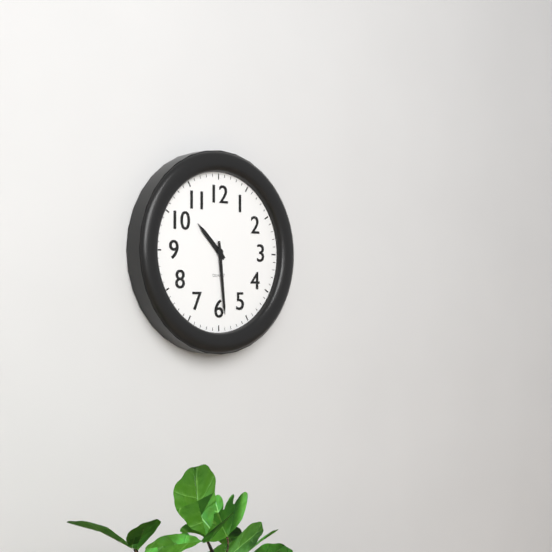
10:29
